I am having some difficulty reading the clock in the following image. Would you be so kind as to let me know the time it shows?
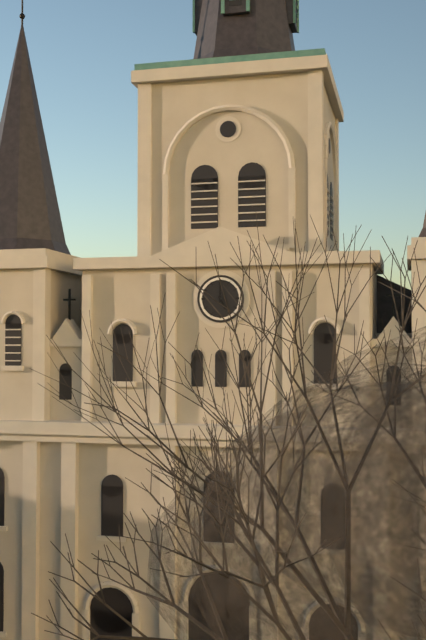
5:00
